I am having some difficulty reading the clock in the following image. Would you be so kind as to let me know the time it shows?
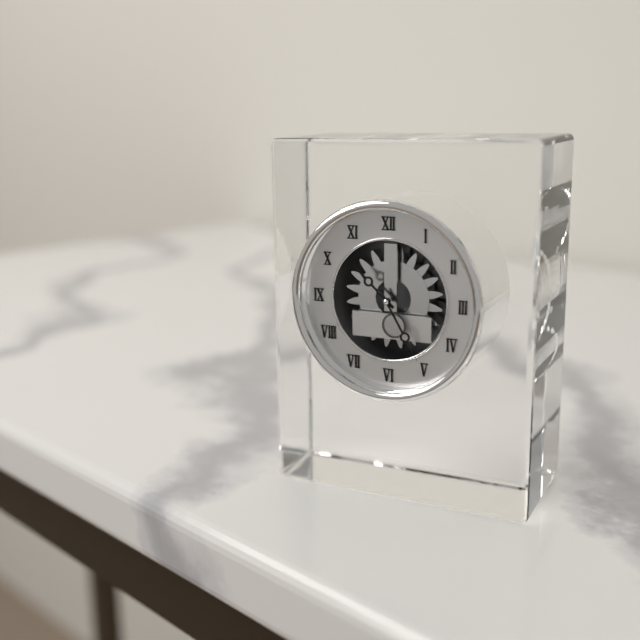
10:25
